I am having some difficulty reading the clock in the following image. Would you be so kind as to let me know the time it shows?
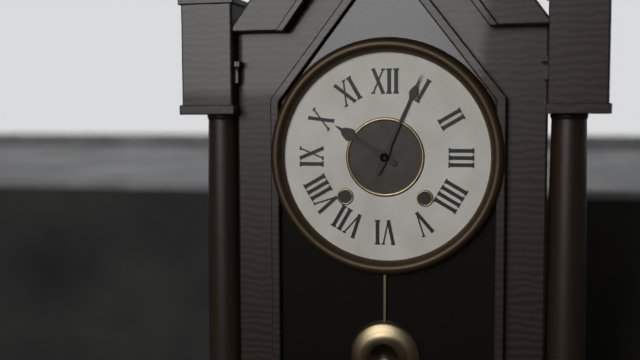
10:04
